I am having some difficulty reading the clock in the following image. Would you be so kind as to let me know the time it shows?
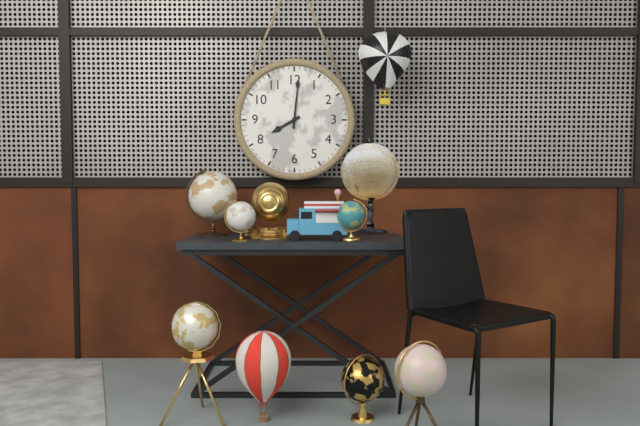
8:01
